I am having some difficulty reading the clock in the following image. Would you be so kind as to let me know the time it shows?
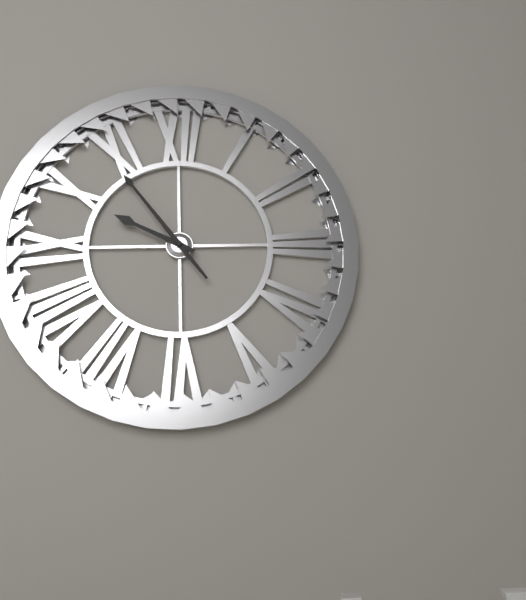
9:54
